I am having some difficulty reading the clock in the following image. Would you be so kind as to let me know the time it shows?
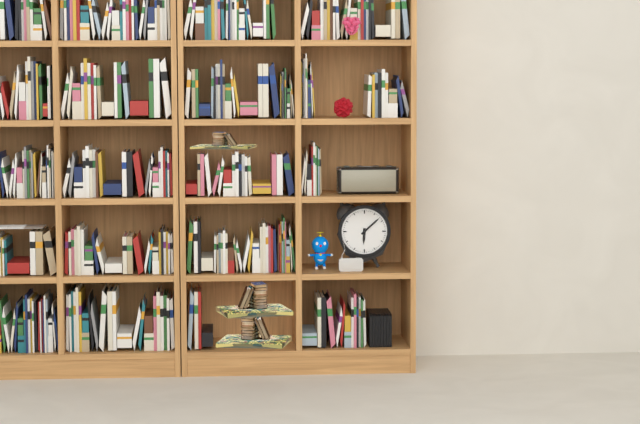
6:08
